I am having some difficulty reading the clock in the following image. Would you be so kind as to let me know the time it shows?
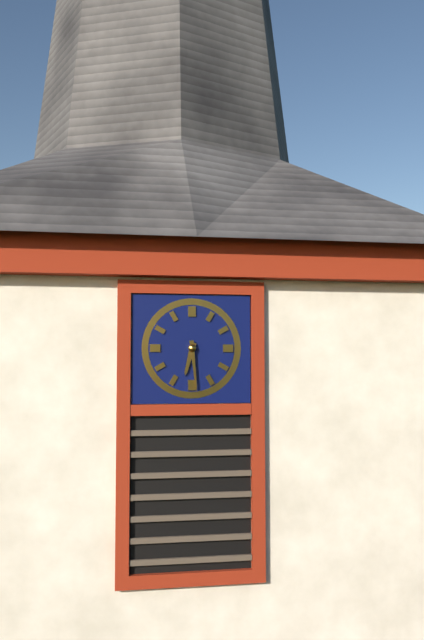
6:29
